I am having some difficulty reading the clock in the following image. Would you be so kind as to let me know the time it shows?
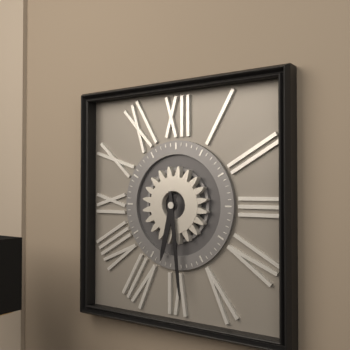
6:29
